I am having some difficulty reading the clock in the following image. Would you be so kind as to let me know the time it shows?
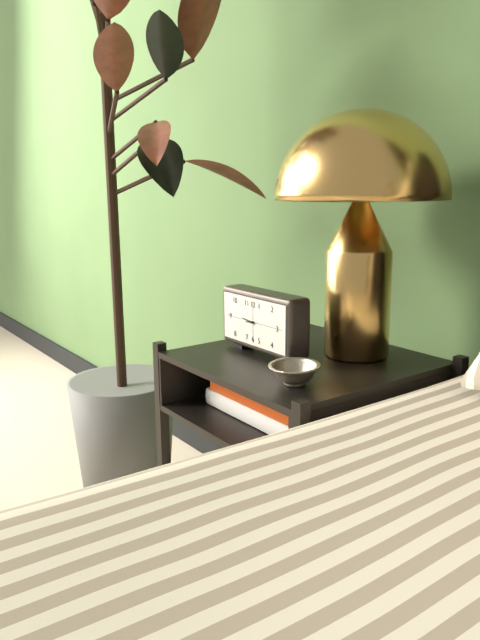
8:46
